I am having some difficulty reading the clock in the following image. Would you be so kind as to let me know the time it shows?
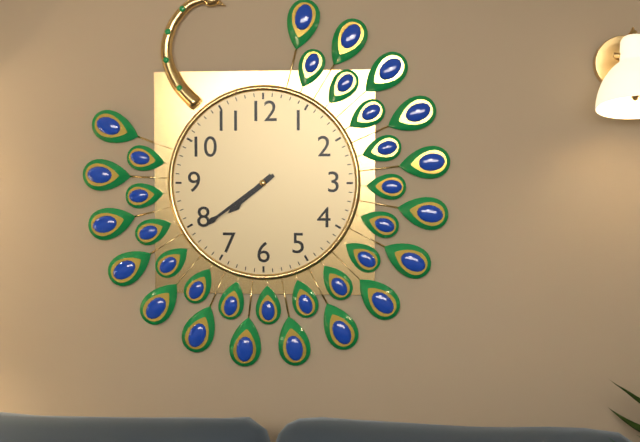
7:39
